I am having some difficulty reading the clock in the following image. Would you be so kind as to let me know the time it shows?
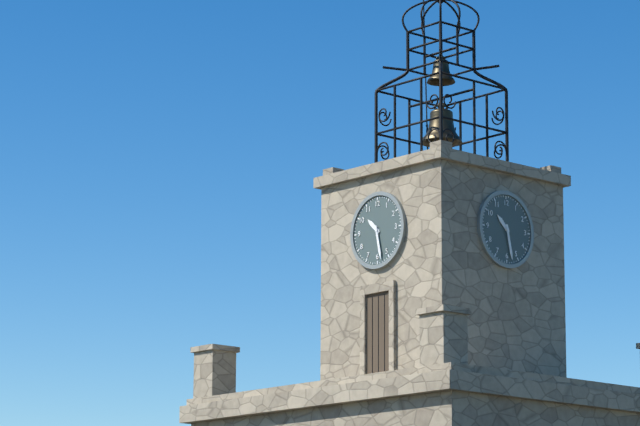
10:28
